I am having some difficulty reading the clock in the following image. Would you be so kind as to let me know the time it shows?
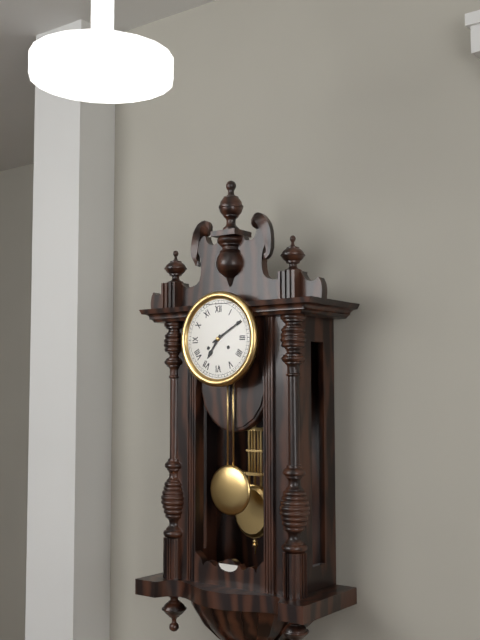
7:10
